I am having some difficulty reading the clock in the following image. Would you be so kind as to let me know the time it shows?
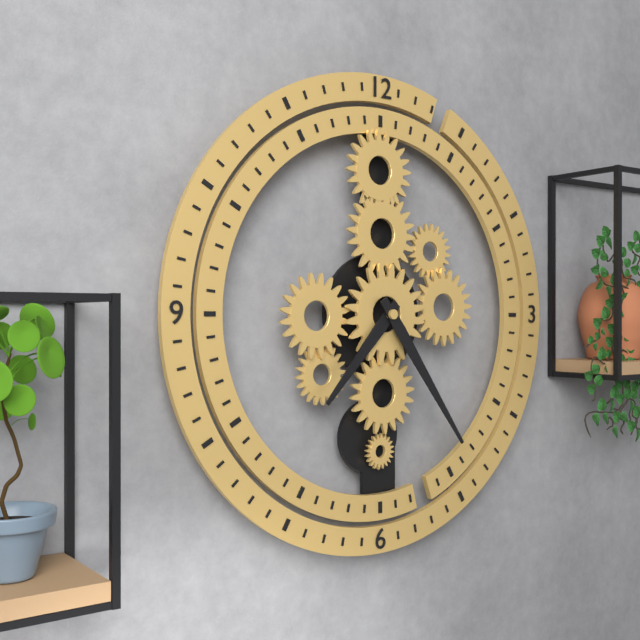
7:24
